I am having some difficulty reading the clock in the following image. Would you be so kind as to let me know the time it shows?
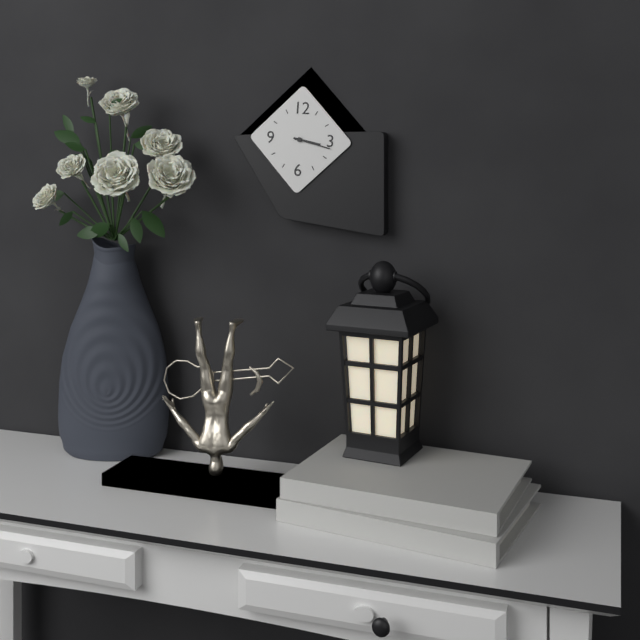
3:17
